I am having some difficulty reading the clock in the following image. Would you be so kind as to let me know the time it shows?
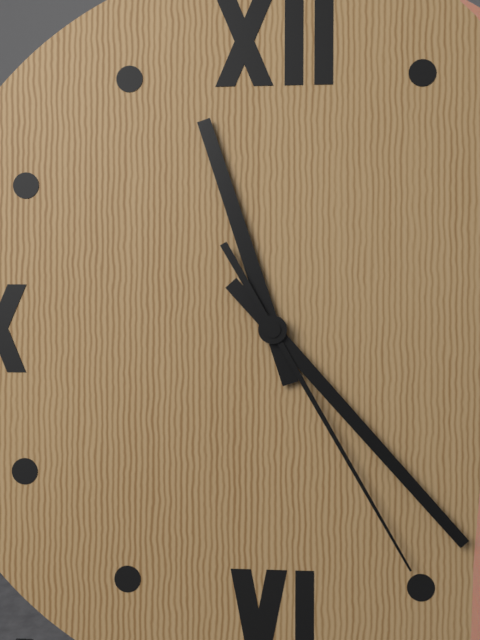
11:23:25
